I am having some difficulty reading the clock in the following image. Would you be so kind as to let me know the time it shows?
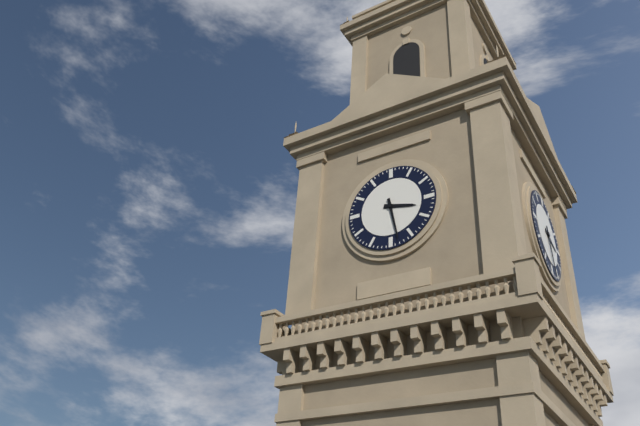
3:28
